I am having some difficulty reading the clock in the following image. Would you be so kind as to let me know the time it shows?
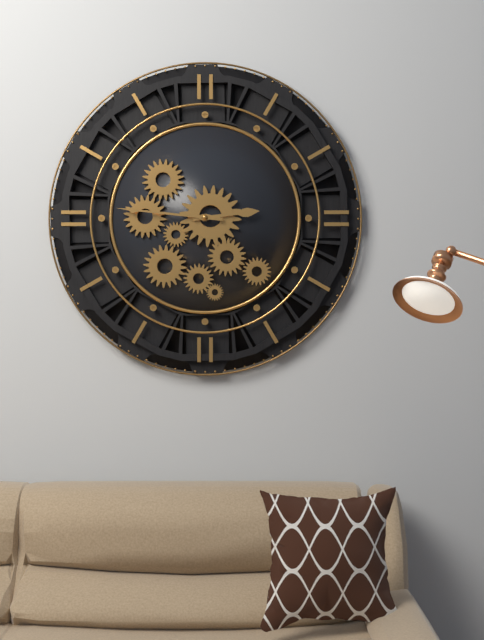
2:46
